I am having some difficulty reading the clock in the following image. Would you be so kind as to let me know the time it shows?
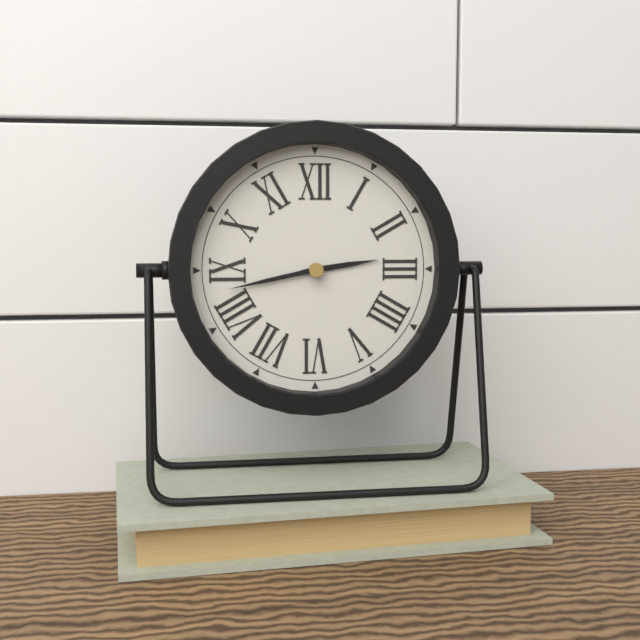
2:43
